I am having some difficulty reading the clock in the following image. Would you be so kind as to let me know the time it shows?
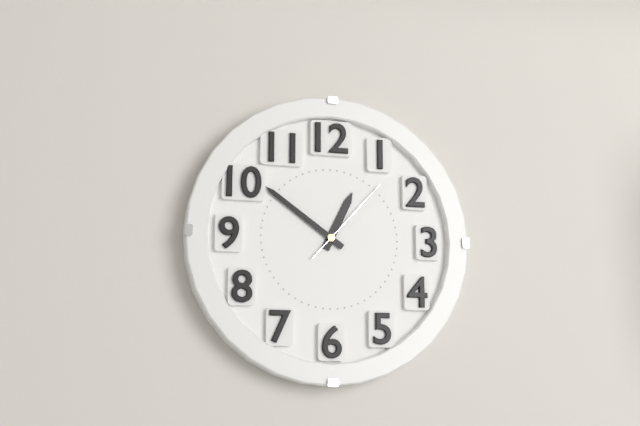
12:51:07
